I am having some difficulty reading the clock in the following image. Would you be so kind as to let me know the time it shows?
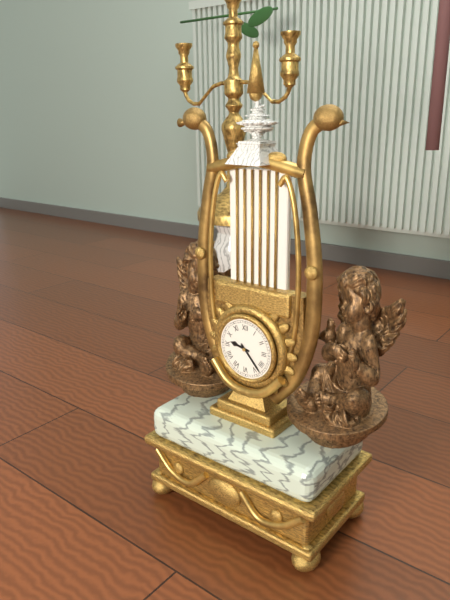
9:23
